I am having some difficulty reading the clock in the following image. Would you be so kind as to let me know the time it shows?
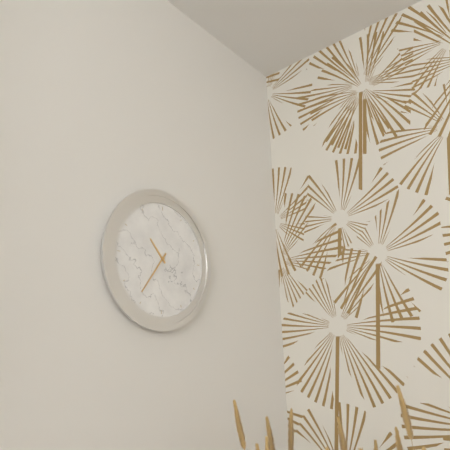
10:36
